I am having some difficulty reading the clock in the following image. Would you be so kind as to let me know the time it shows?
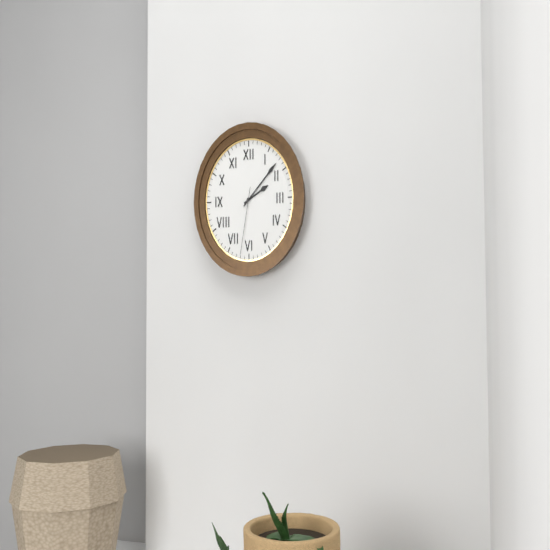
2:08:32
